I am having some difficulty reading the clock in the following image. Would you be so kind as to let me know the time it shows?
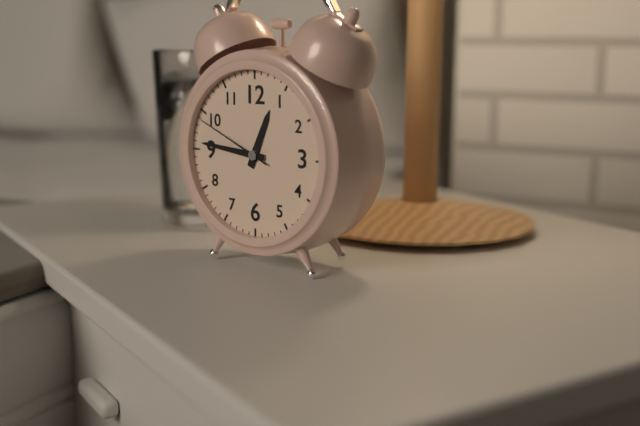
12:46:49
